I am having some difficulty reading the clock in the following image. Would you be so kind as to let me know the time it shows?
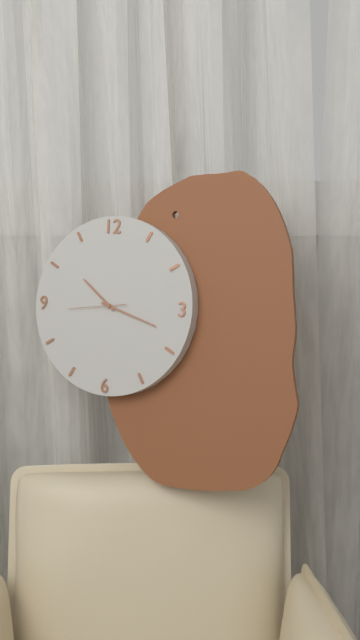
10:18:44
